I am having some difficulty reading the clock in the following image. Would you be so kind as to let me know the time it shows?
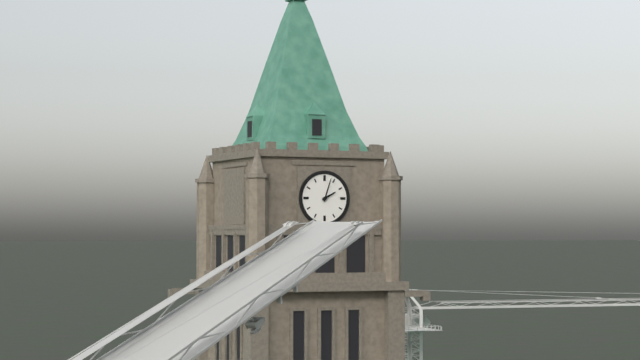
2:03
